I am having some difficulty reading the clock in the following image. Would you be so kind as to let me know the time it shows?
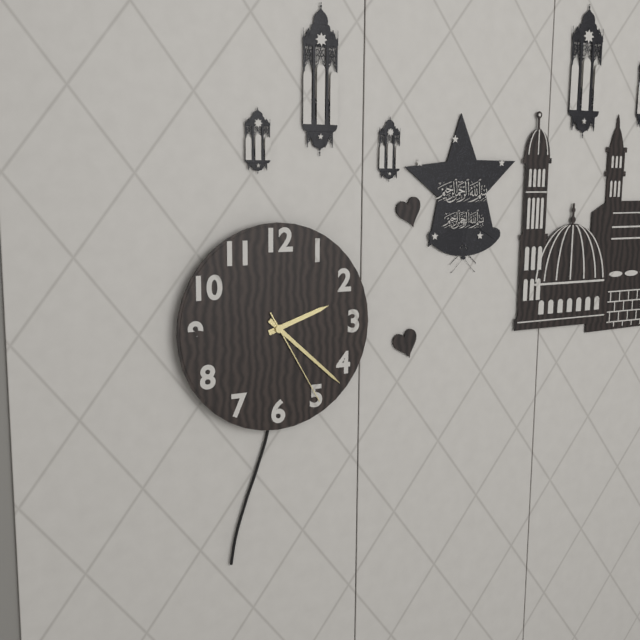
2:22:25
